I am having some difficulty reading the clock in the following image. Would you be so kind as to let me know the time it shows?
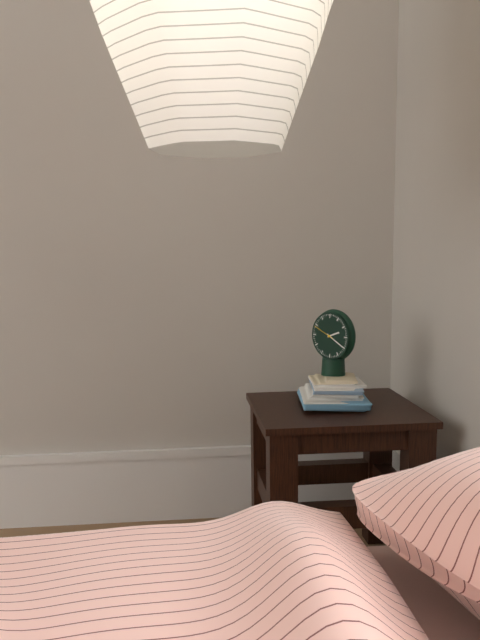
2:20
